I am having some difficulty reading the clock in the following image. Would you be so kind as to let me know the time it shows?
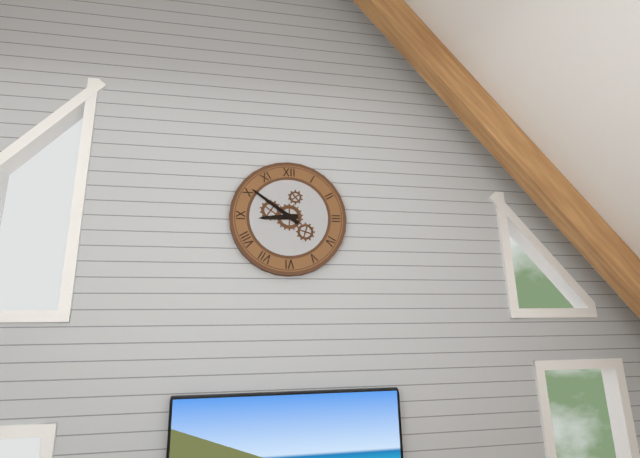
8:51
